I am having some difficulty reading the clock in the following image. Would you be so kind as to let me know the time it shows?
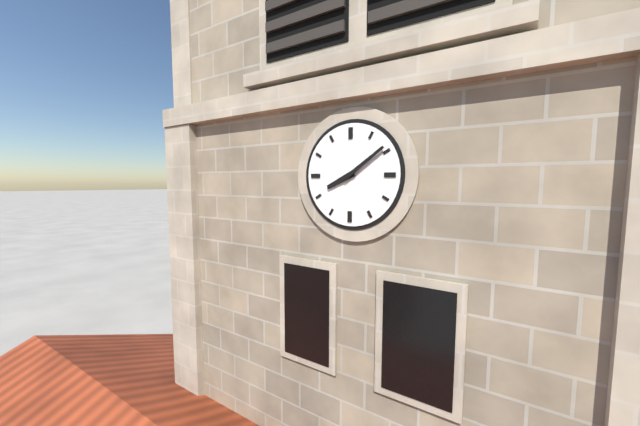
8:09
